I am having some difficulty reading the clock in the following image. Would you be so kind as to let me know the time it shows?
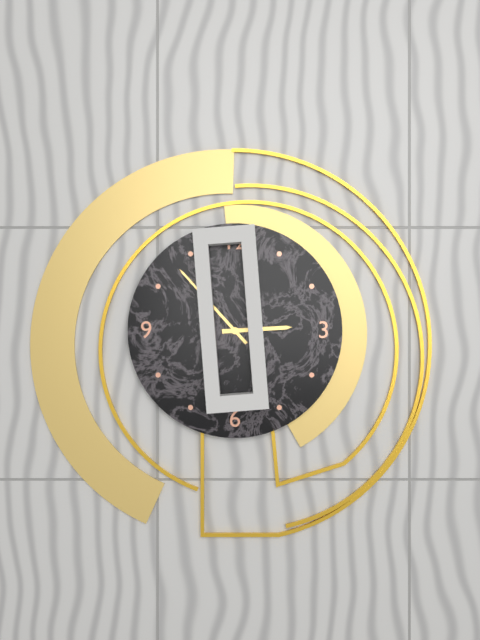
2:53
